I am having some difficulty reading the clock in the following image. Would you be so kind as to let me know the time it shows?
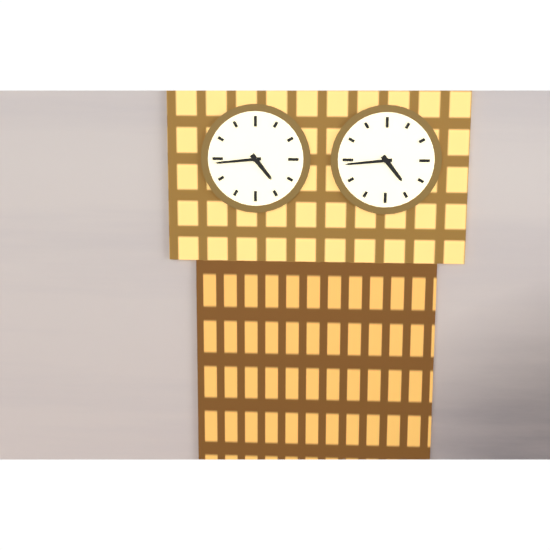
4:44
